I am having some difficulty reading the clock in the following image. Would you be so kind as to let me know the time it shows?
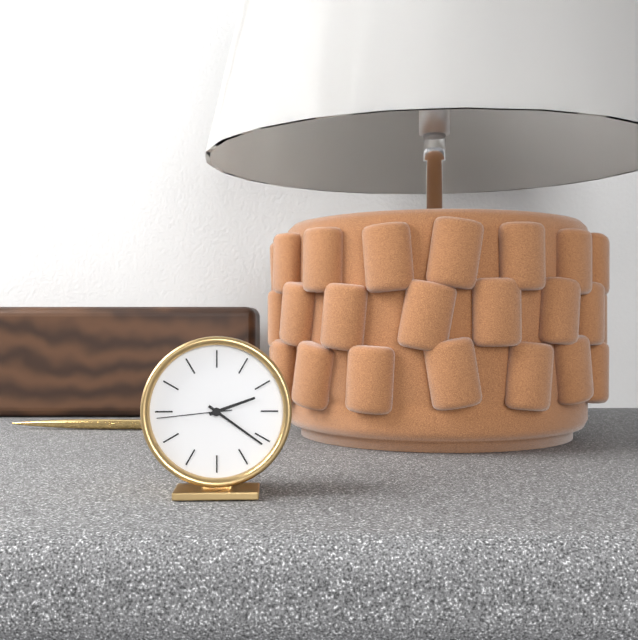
2:21:44
